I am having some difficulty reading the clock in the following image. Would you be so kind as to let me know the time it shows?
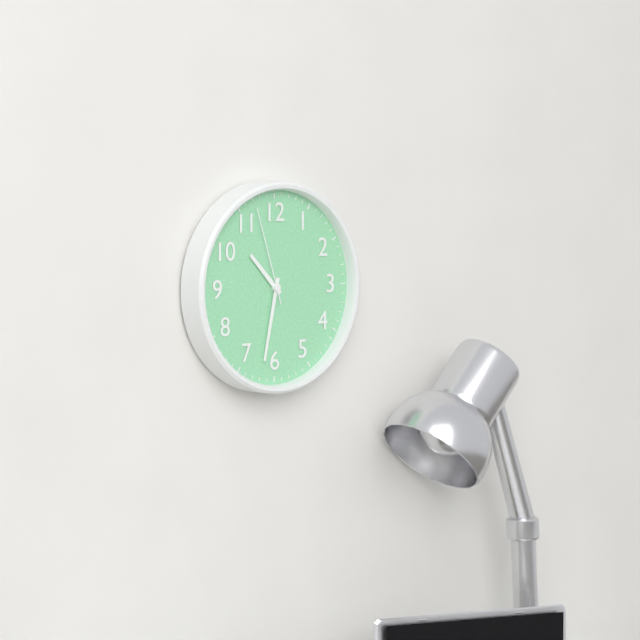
10:32:57
